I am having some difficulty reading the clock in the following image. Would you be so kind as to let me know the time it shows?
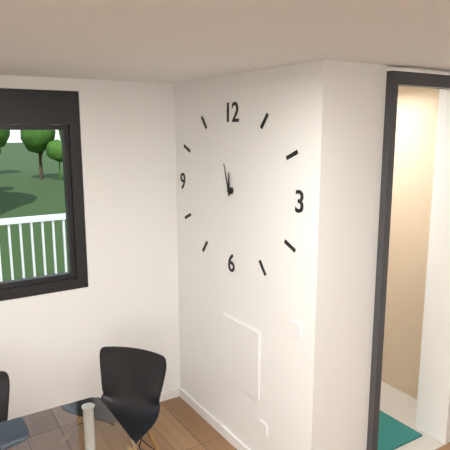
11:57
